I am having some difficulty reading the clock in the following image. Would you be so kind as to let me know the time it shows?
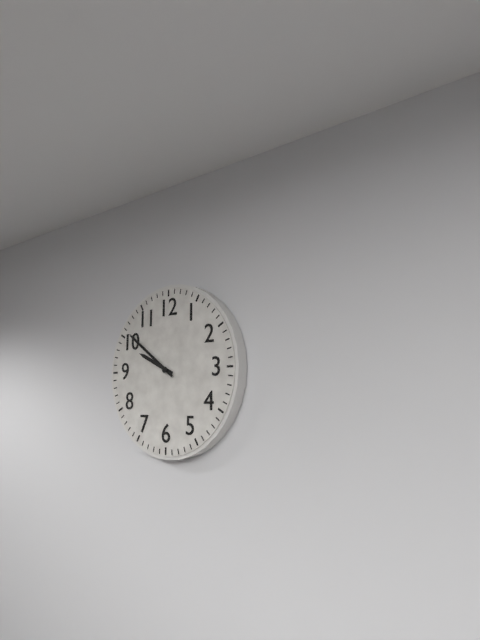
9:51
